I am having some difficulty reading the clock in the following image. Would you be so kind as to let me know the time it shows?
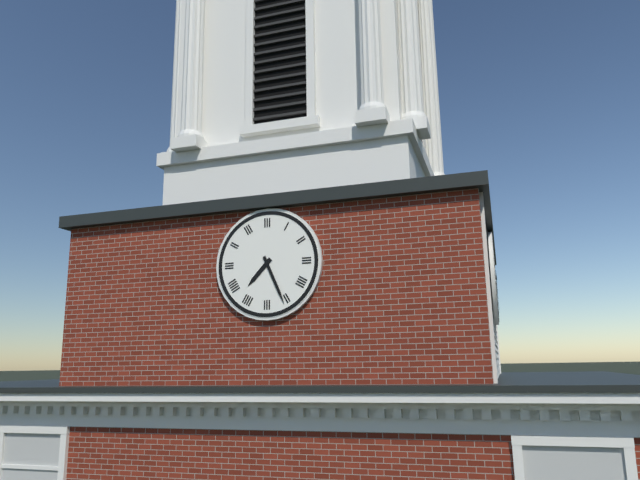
7:26
